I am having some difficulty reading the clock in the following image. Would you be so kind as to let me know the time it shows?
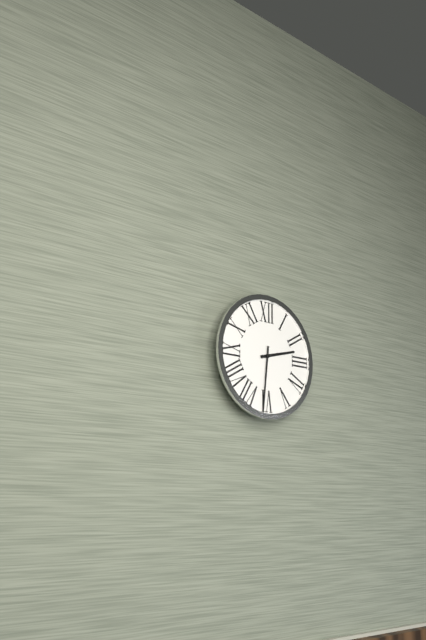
2:31
